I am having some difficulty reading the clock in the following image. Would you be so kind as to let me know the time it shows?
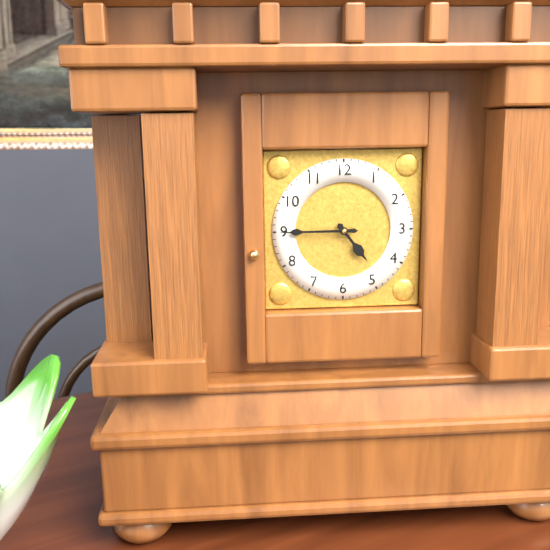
4:45
